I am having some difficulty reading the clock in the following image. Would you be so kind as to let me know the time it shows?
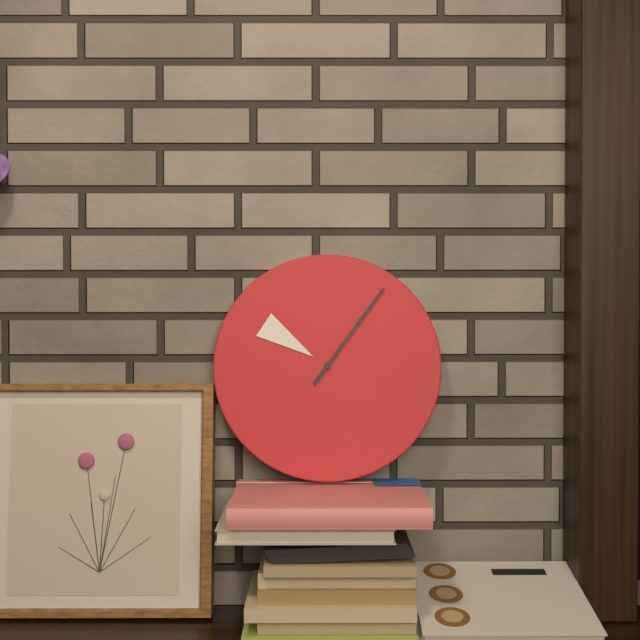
10:06
